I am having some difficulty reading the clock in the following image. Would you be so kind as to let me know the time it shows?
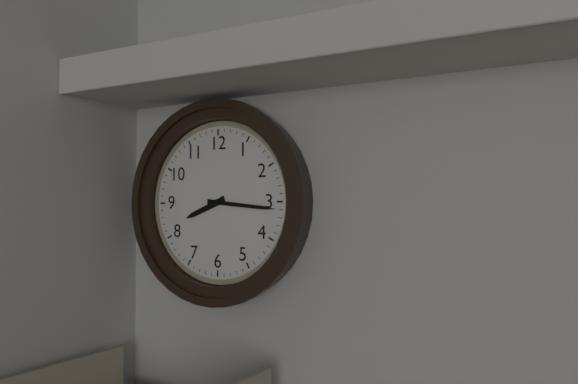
8:16
